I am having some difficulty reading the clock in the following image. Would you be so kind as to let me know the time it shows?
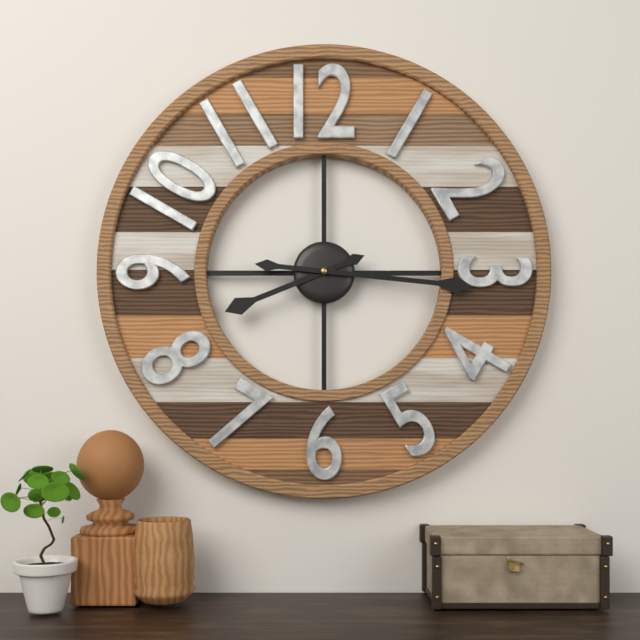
8:16
